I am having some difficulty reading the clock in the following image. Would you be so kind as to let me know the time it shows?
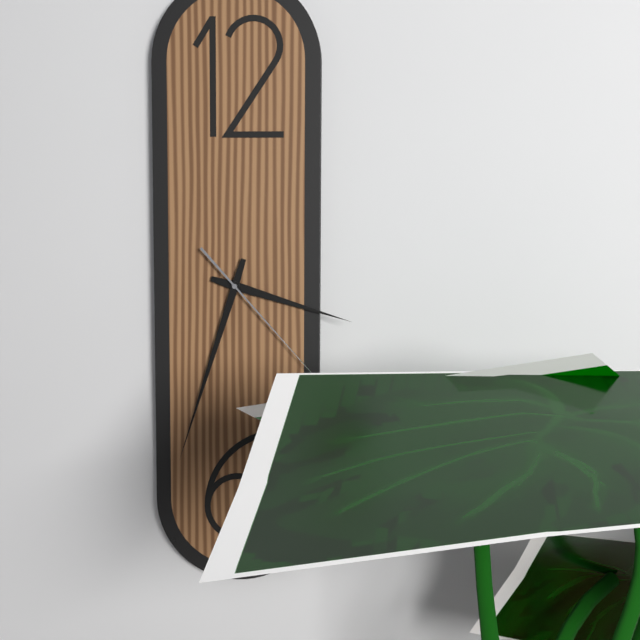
3:33:23
